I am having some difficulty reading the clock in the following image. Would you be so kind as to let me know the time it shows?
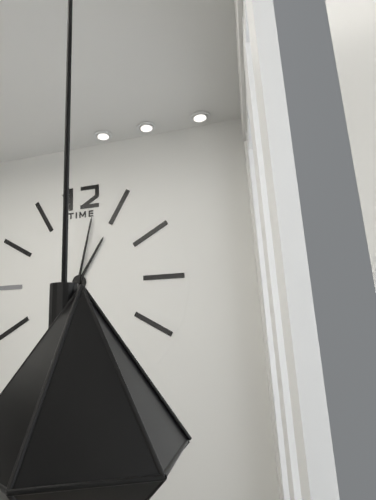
1:02
